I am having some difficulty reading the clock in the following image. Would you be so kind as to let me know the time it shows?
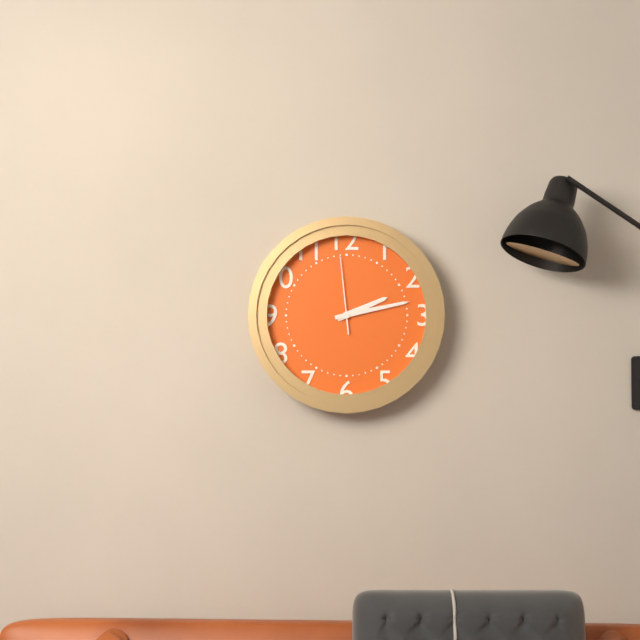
2:13:59
